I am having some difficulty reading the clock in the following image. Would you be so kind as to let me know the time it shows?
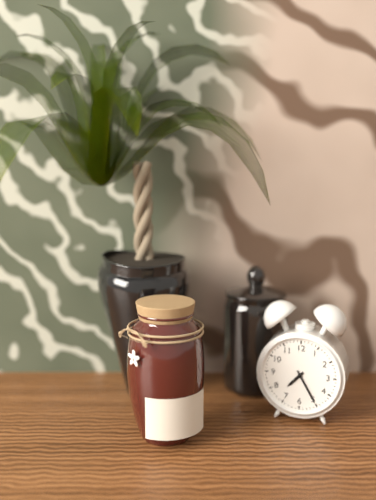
7:25
